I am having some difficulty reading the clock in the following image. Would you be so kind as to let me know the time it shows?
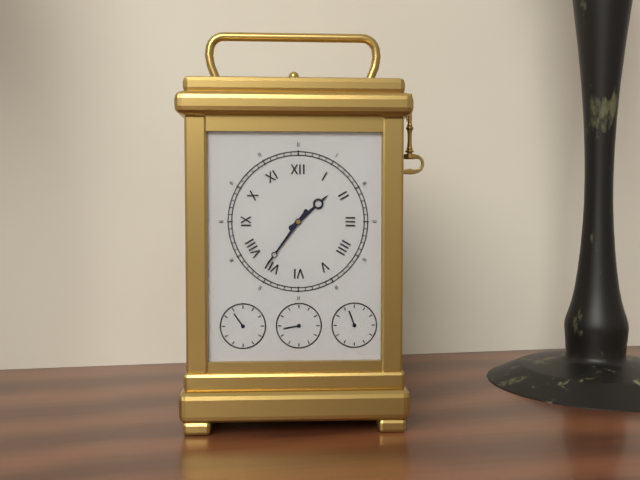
1:36
